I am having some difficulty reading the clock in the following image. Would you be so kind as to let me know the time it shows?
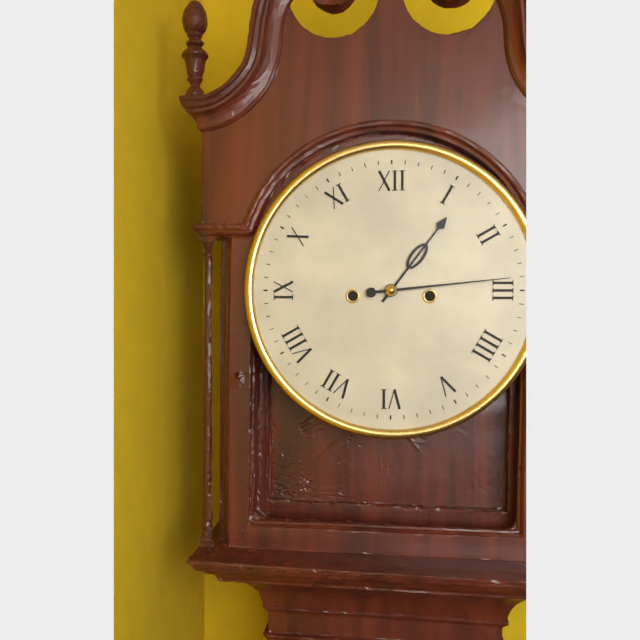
1:14
